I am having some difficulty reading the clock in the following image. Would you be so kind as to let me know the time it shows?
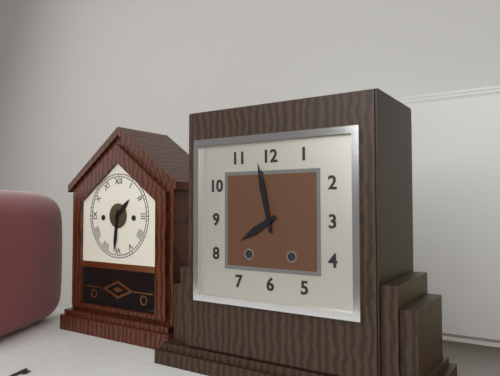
7:58
